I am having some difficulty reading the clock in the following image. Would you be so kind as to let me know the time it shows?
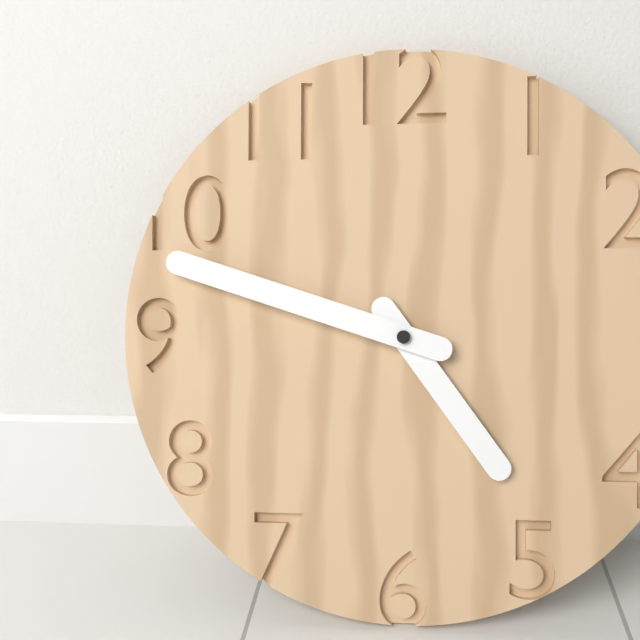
4:48
